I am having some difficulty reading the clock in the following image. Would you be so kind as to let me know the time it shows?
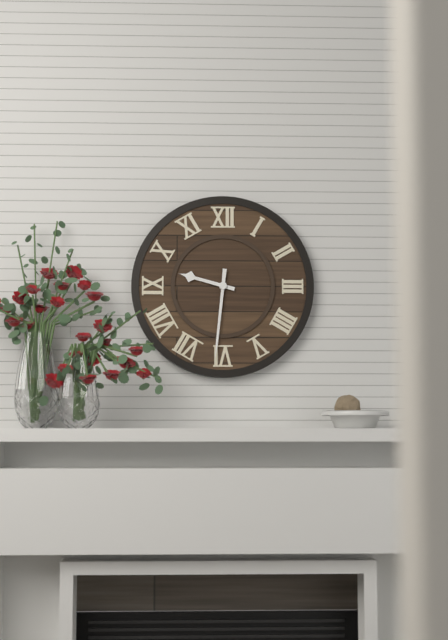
9:31
